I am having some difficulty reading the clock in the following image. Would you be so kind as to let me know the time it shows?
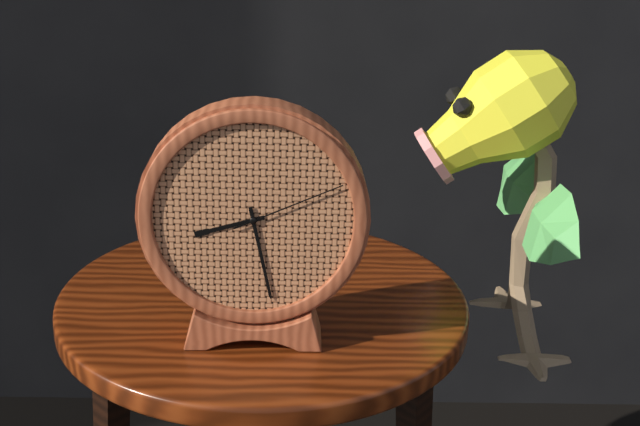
8:28:11
